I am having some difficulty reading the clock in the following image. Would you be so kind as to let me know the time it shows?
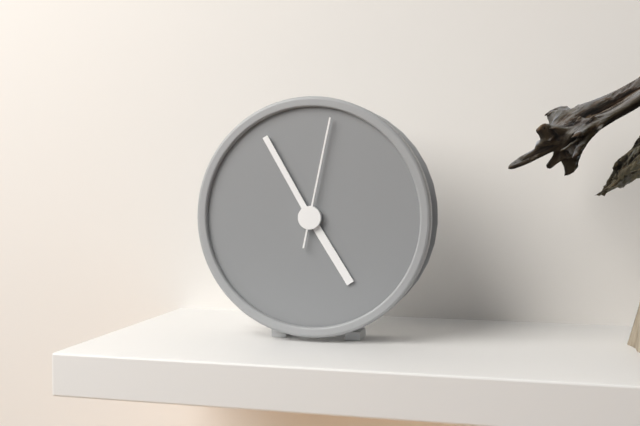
4:55:02
